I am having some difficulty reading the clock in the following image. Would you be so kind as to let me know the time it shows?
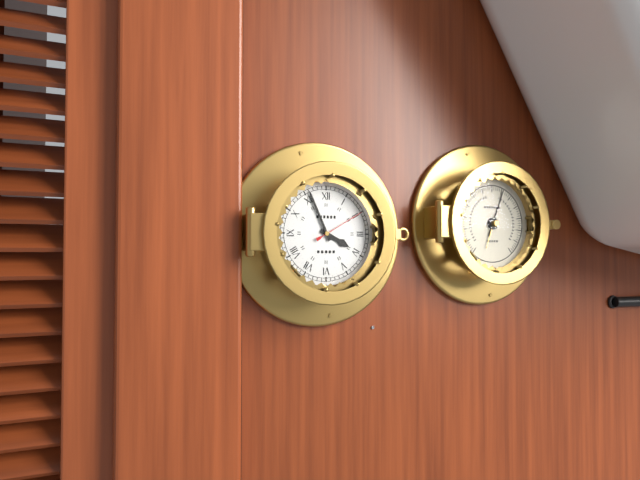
3:56:10
